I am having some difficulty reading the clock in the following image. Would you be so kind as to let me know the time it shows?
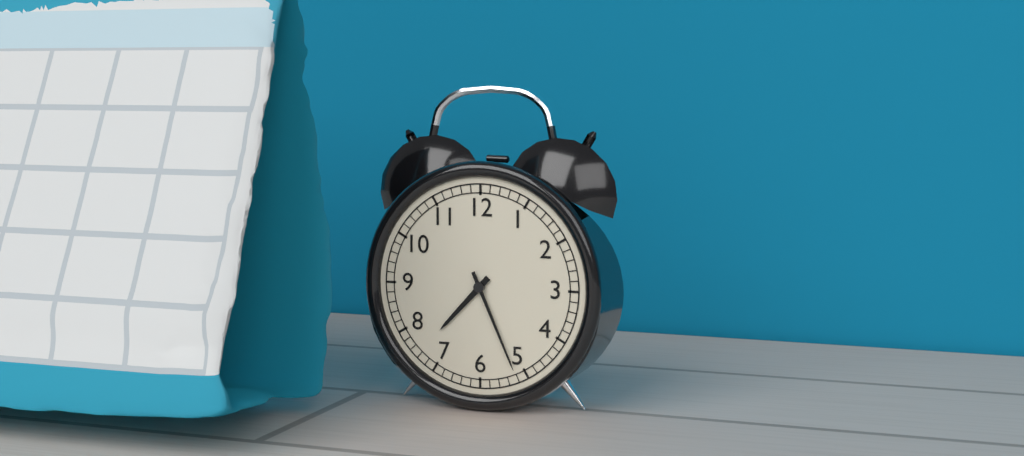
7:26
